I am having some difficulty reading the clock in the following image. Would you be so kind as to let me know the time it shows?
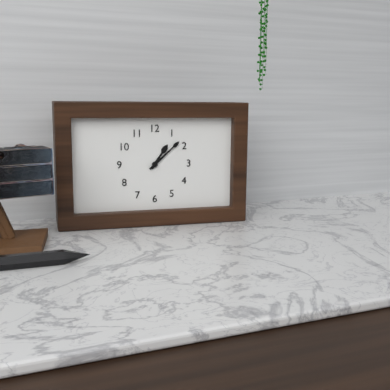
1:08
